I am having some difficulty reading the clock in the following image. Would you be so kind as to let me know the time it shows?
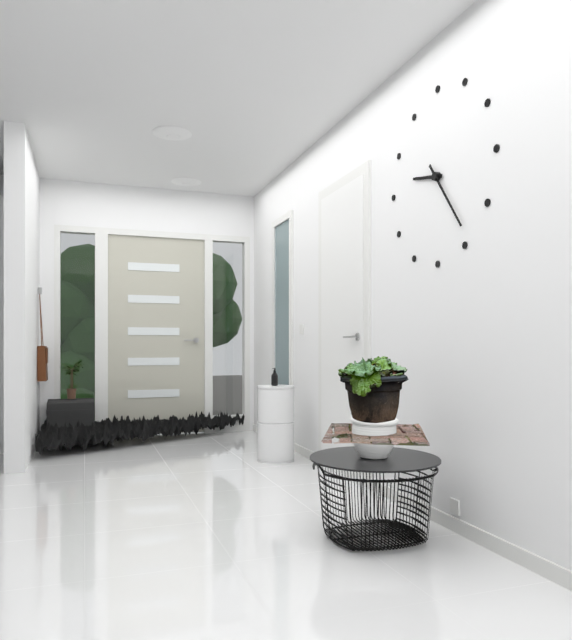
9:24
